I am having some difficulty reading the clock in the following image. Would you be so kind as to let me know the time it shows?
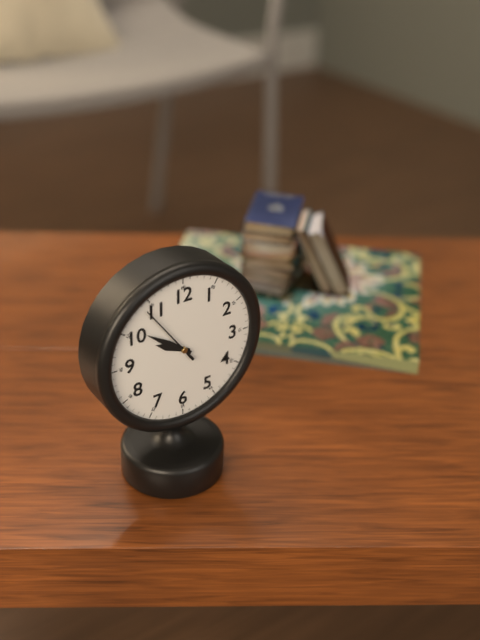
9:51:54
